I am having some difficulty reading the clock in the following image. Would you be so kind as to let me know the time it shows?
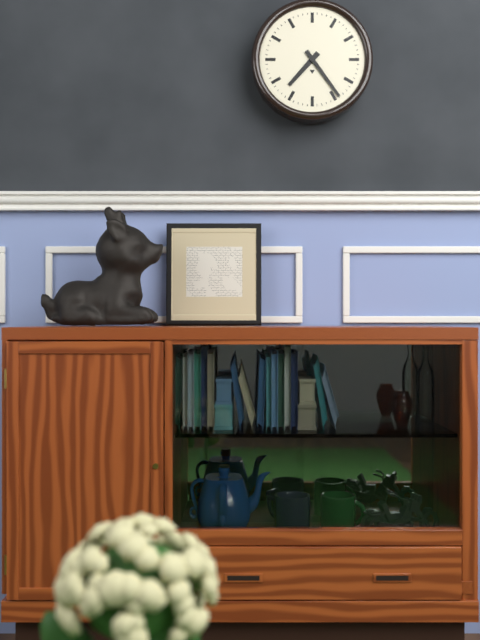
7:24
